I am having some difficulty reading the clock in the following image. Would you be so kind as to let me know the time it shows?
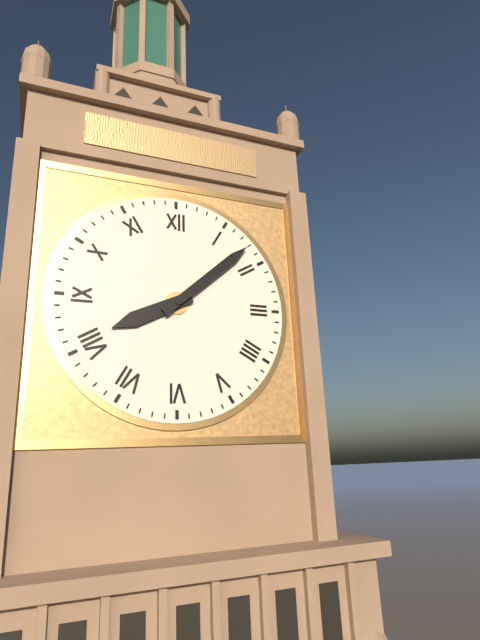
8:08
